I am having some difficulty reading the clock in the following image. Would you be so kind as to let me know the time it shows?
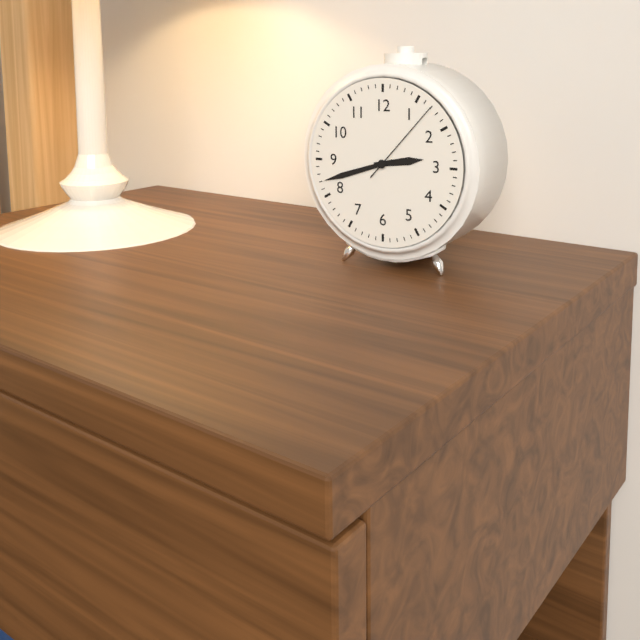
2:42:07
